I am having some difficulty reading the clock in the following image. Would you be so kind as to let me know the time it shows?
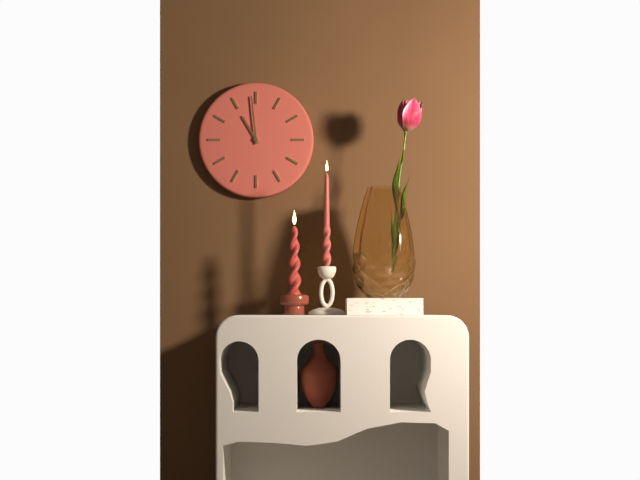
10:59
